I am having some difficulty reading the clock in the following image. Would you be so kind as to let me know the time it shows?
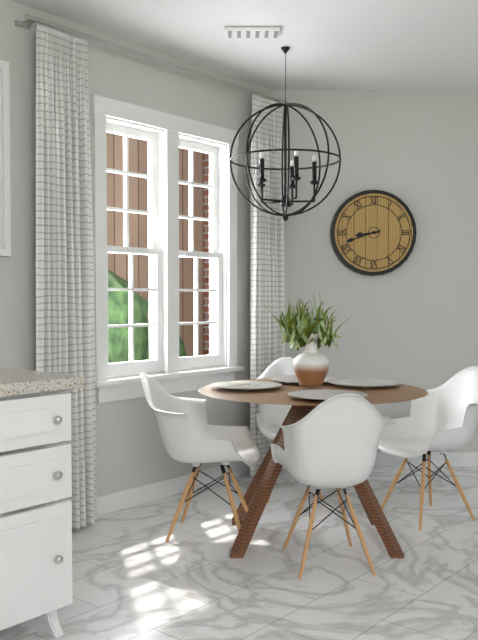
8:42
